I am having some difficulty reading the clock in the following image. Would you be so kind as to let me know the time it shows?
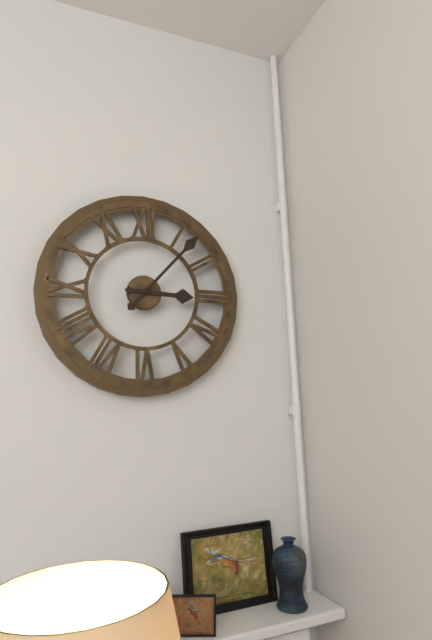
3:07
